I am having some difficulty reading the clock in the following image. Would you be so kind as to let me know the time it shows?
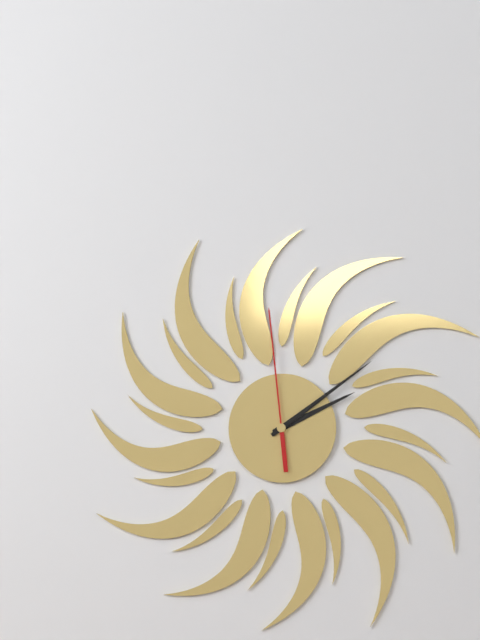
2:09:59
